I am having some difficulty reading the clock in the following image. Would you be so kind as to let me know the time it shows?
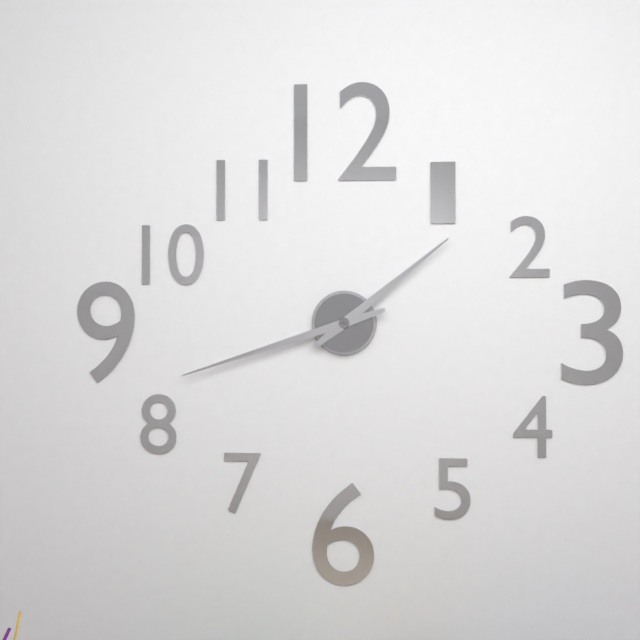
1:42
